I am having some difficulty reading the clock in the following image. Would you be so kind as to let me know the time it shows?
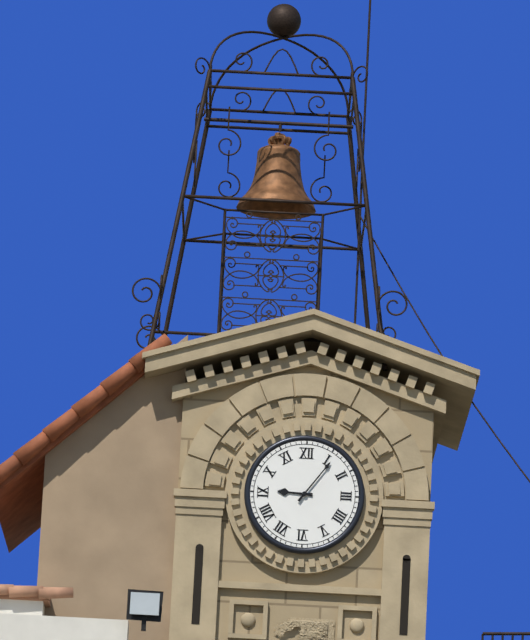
9:06
